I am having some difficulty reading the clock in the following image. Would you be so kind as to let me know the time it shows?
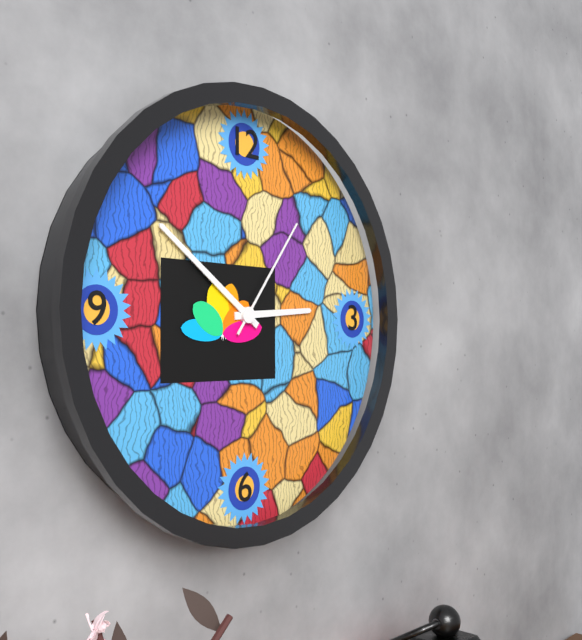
2:51:06
